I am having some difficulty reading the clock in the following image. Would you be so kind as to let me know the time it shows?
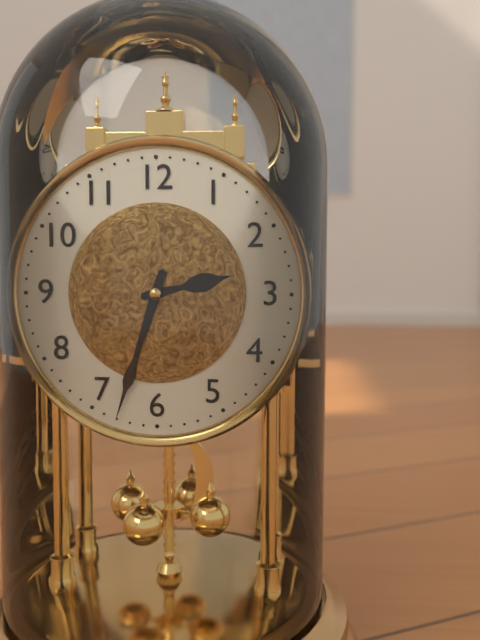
2:33
